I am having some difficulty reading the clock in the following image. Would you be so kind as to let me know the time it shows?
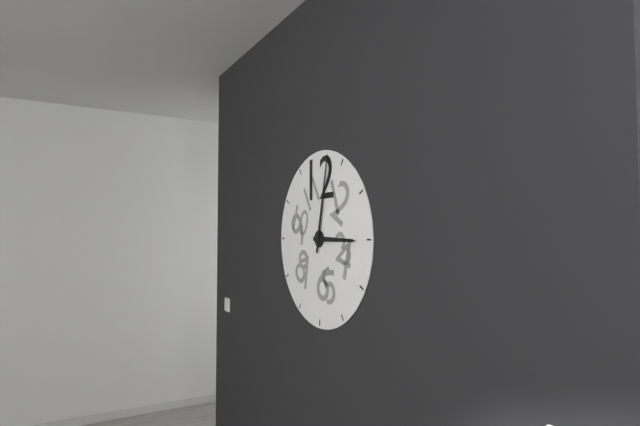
3:02
